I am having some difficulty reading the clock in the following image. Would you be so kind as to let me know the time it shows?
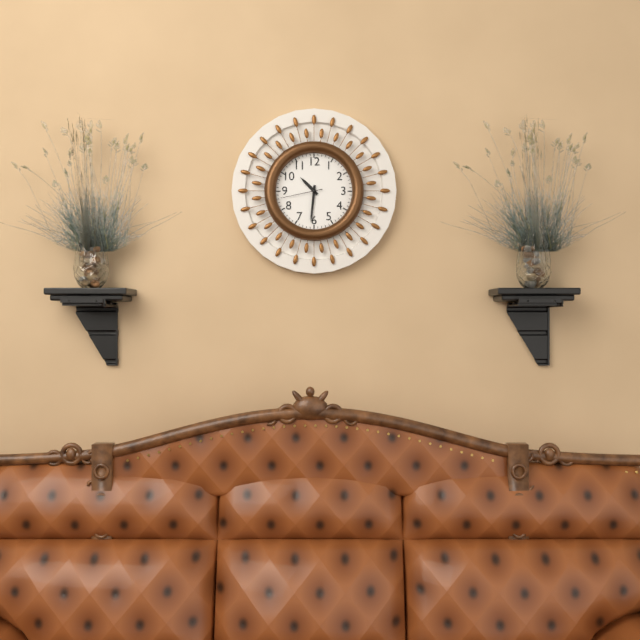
10:31
